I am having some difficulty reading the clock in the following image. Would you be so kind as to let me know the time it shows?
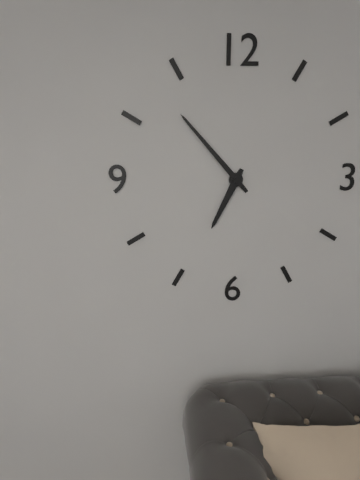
6:53
